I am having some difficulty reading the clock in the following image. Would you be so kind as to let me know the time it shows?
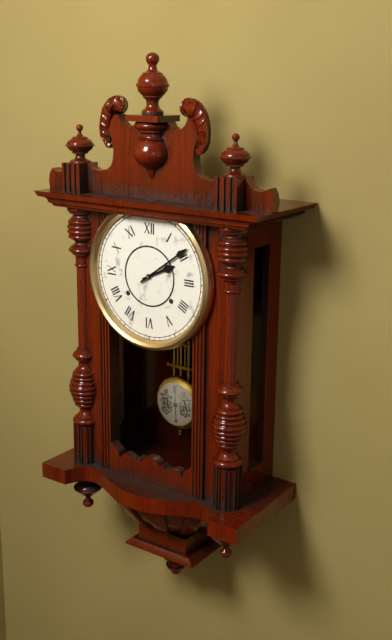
2:09
